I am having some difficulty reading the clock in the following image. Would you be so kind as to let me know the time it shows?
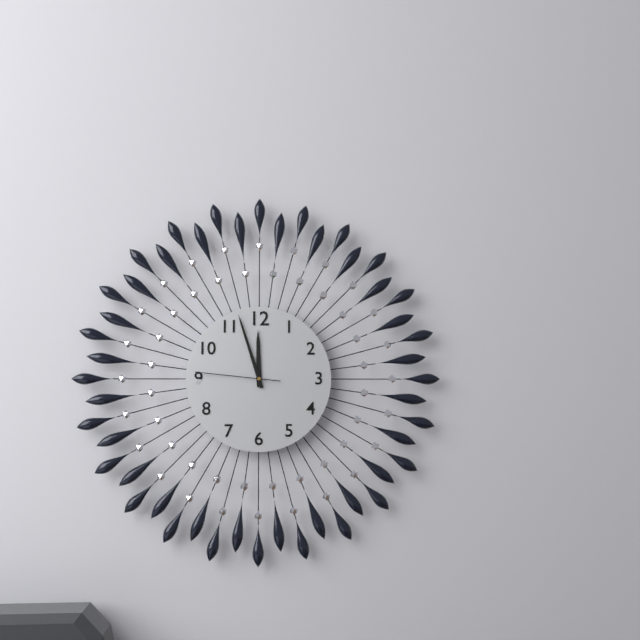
11:57:46
